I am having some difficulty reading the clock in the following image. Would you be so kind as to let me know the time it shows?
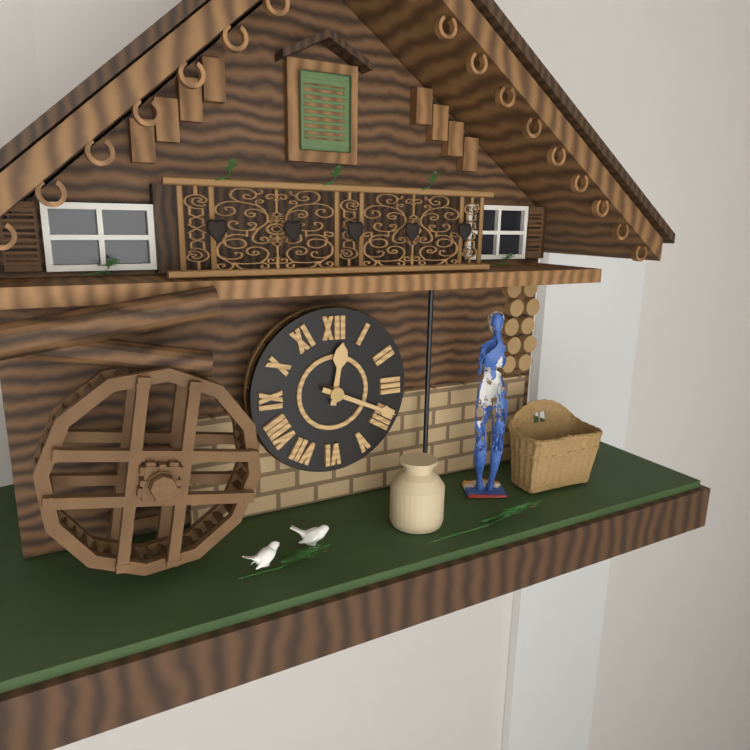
12:19
